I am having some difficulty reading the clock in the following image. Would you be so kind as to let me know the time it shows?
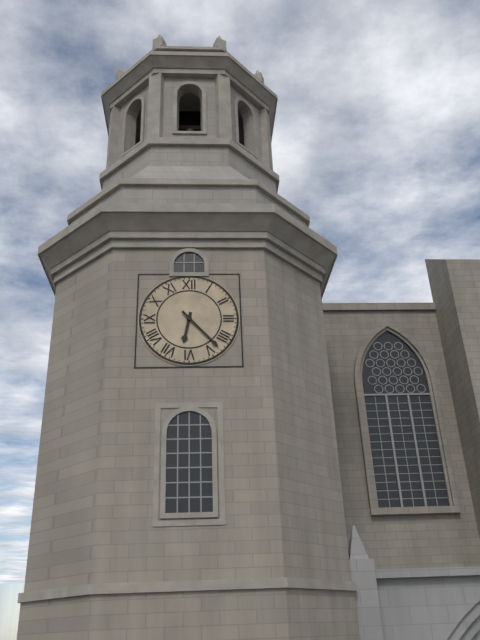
6:23
